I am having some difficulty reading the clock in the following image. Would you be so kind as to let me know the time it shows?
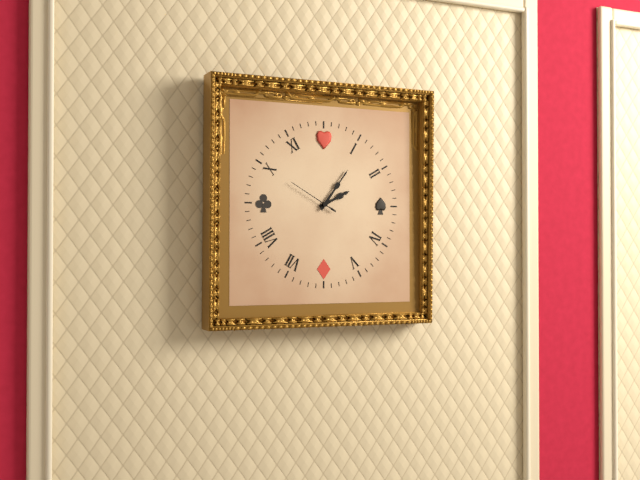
2:06:50
